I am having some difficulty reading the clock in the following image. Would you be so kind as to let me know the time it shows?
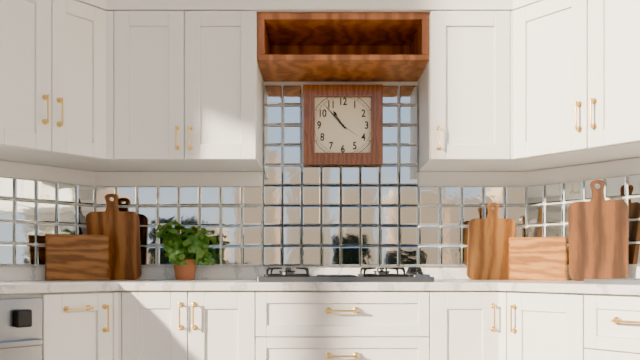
10:53
